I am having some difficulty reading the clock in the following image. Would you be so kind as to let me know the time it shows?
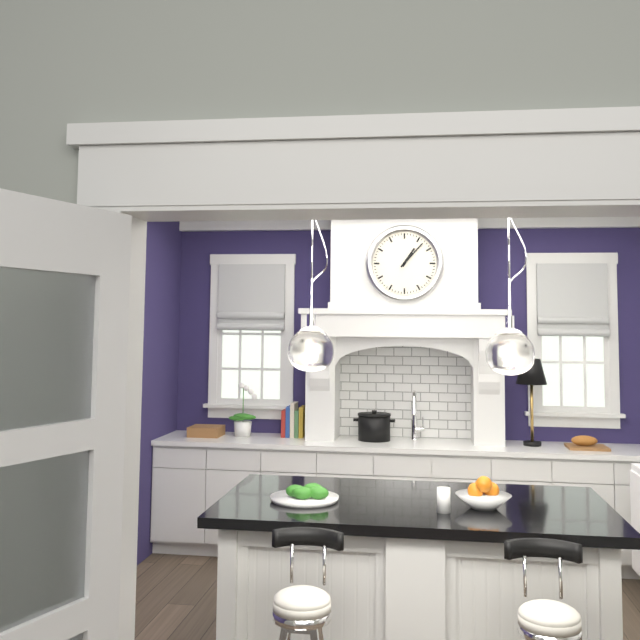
1:07
